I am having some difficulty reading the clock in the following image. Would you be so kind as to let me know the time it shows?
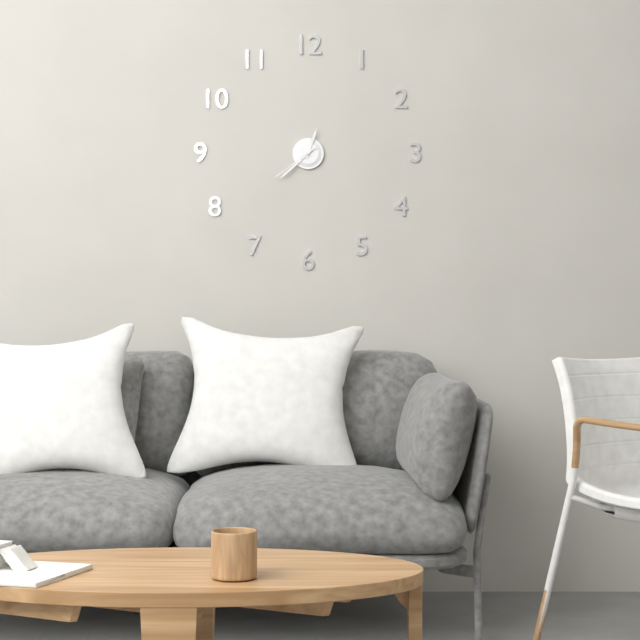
12:38:39
